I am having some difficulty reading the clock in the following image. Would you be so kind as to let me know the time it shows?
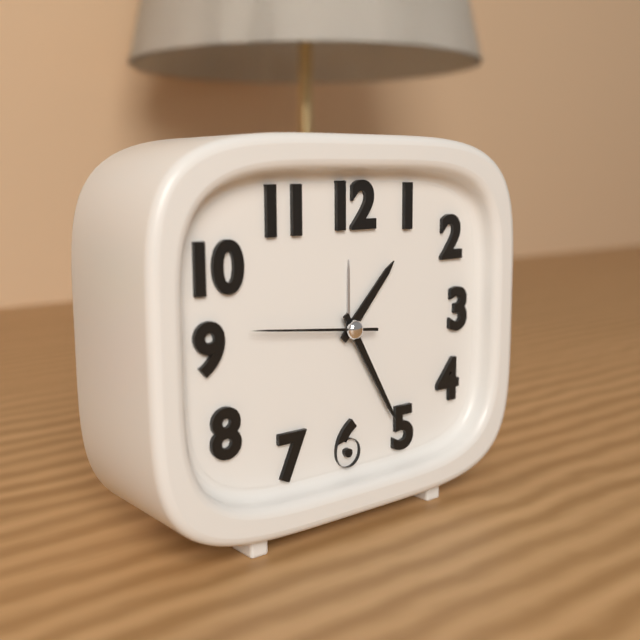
1:25:46
